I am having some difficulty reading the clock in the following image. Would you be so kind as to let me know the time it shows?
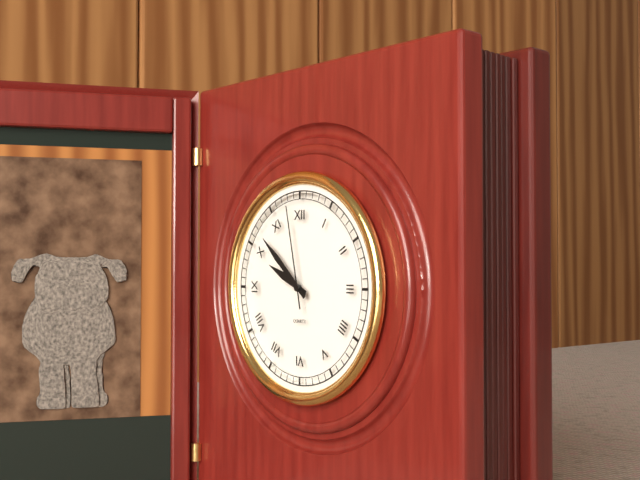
9:52:58
